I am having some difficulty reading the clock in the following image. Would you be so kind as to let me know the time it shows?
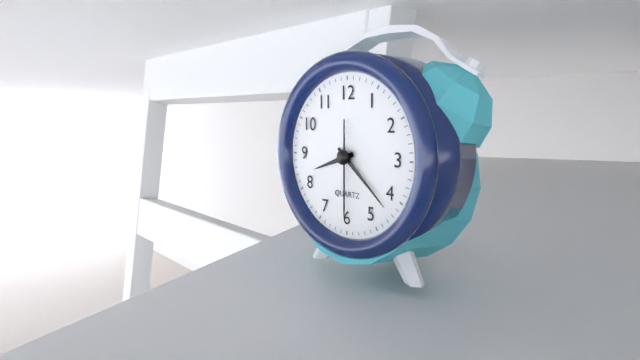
8:22:30
